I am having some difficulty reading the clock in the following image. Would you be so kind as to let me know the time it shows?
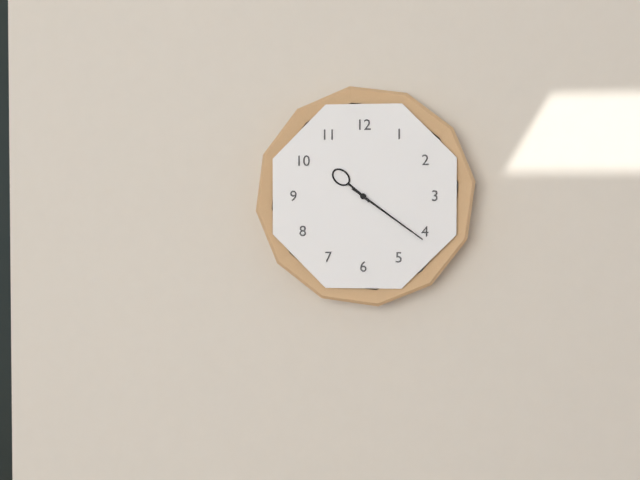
10:21
